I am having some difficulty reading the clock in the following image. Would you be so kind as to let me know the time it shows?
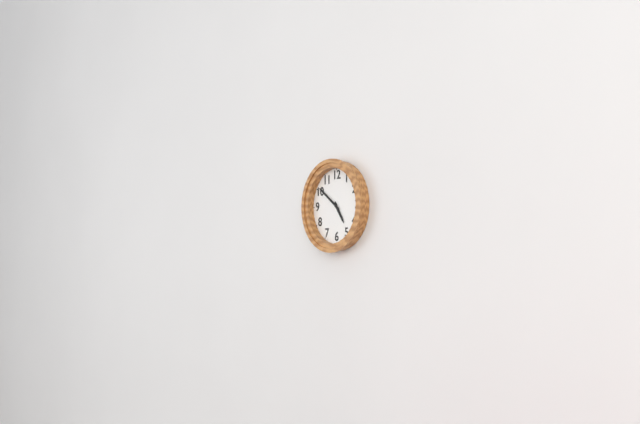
4:51
